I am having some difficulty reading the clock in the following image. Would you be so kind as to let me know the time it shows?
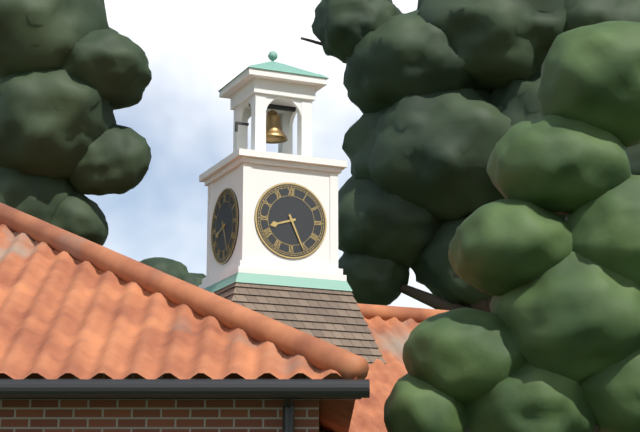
8:26
